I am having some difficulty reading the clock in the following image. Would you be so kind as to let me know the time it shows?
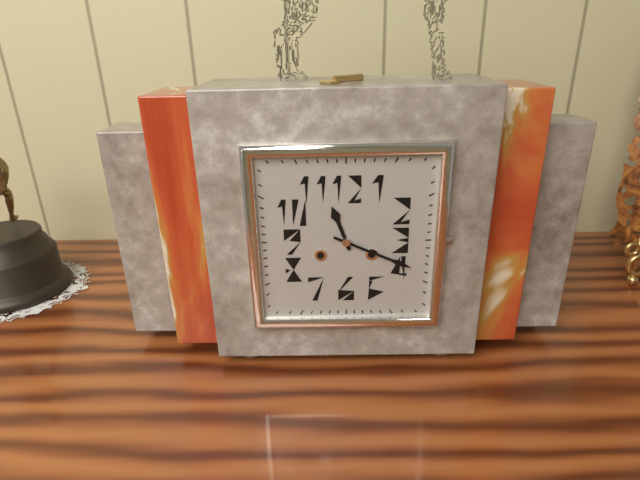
11:19
